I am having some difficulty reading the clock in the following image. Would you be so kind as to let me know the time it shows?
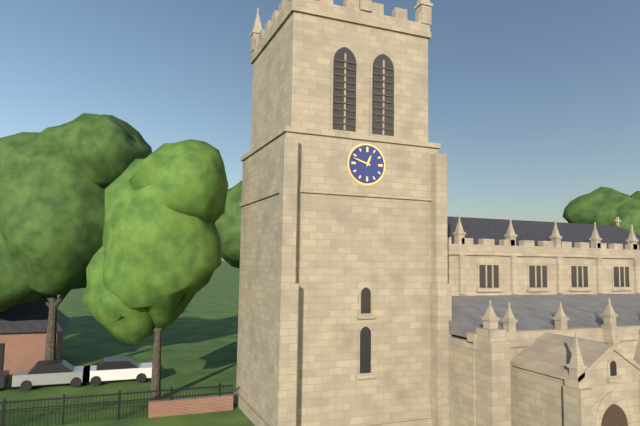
12:48
